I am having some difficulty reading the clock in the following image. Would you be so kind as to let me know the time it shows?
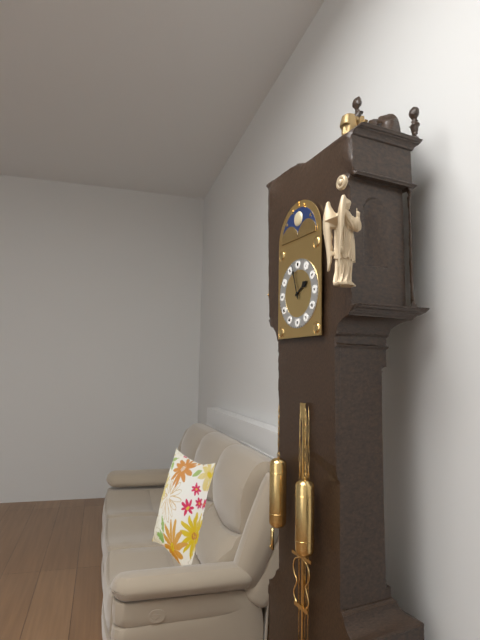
1:57
